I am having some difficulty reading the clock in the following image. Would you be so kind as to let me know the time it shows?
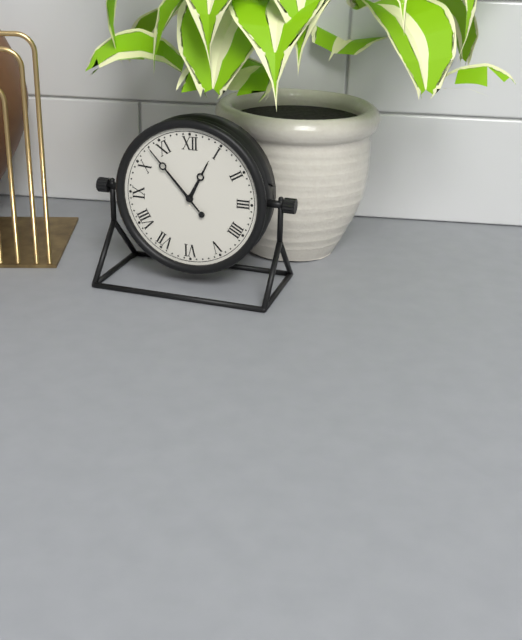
12:53
